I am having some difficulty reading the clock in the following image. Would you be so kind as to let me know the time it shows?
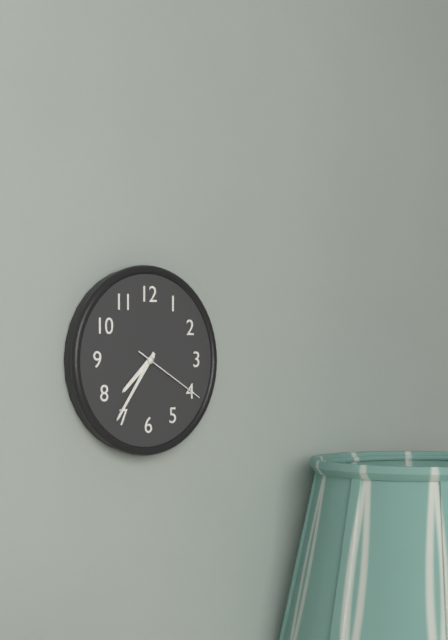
7:36:20
